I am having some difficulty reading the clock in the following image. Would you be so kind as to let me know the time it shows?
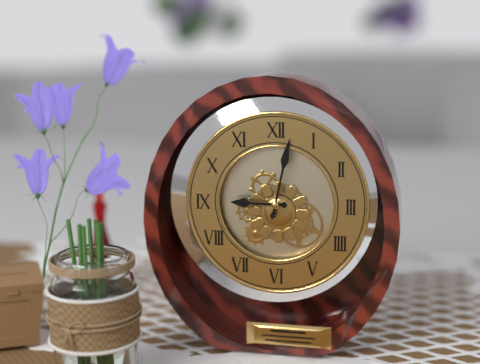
9:02
